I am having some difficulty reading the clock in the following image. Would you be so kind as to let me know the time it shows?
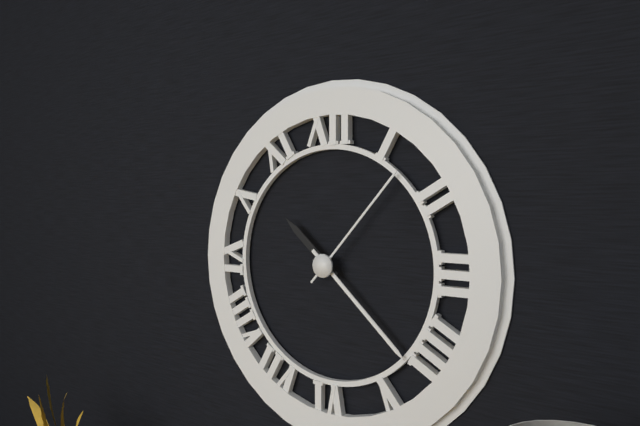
10:22:07
